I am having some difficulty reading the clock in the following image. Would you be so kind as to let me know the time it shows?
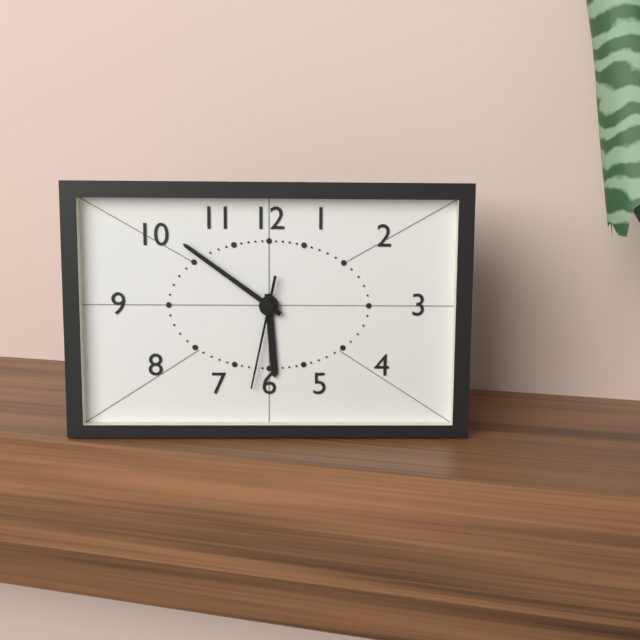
5:51:32
